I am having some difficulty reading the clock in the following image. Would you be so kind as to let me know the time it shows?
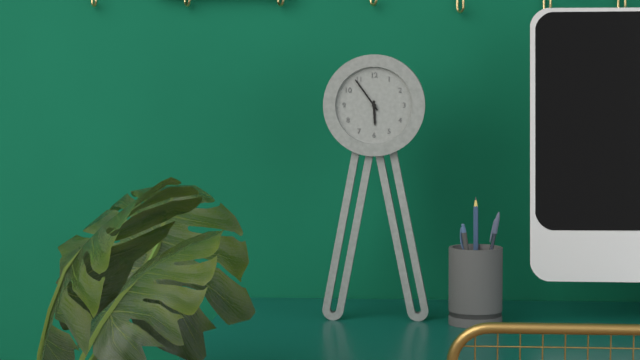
5:54
